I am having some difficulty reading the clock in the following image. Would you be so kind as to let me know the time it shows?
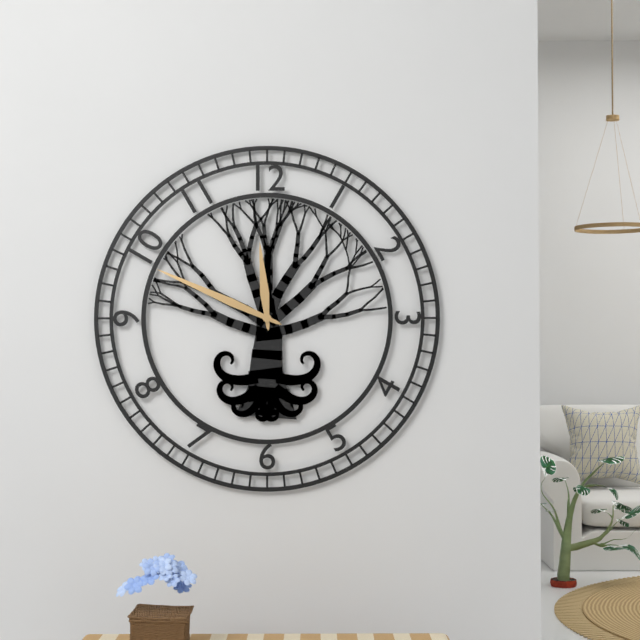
11:49
